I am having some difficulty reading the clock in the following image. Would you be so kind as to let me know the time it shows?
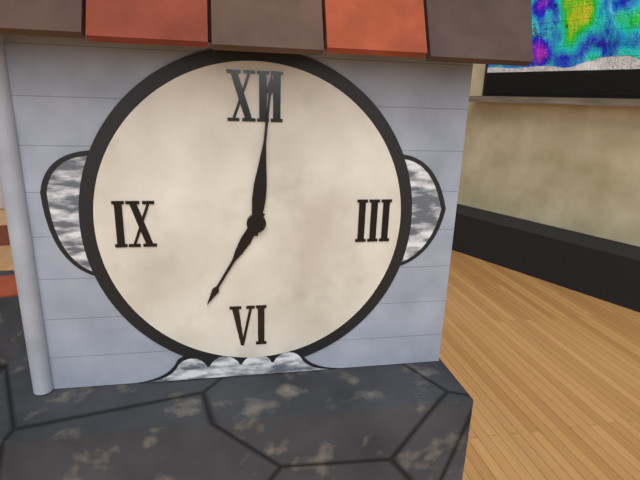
7:01
